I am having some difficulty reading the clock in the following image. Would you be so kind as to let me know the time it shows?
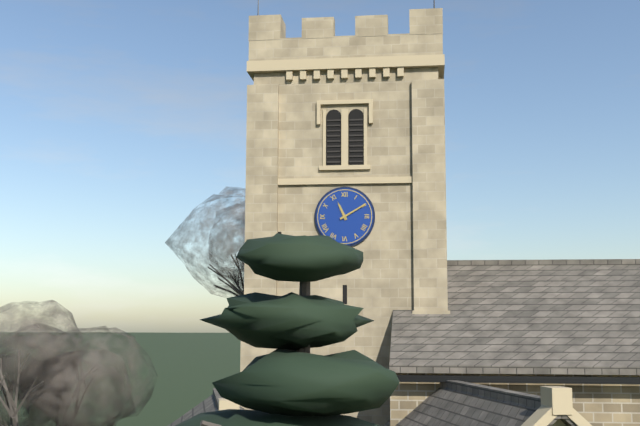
11:10
